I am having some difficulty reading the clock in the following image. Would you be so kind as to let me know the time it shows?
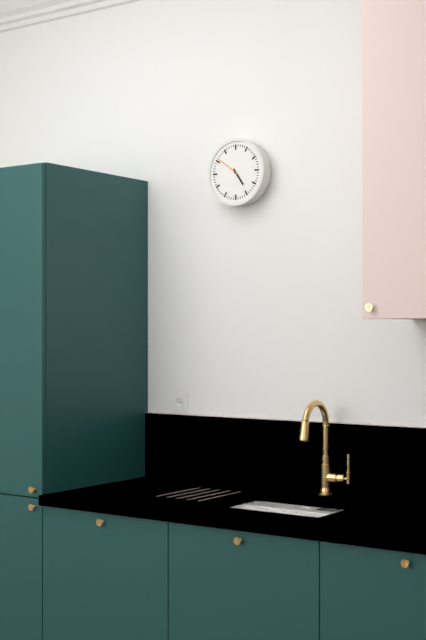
4:51
